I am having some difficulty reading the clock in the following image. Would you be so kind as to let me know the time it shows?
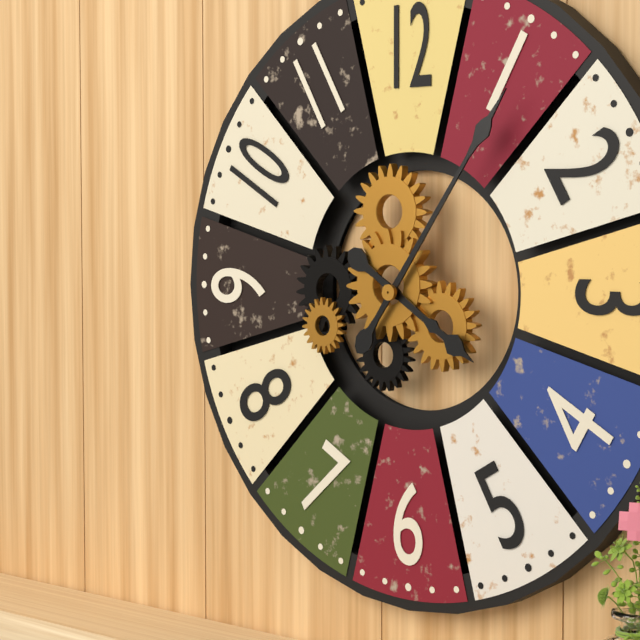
4:06
